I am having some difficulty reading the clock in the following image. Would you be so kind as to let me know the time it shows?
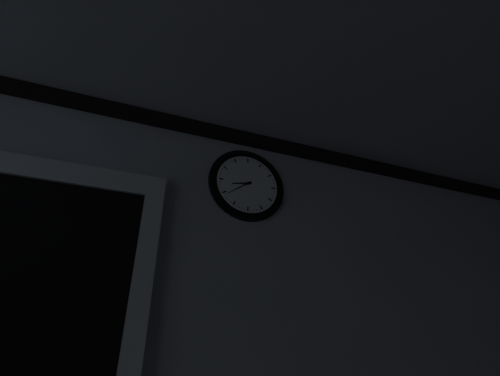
8:39
